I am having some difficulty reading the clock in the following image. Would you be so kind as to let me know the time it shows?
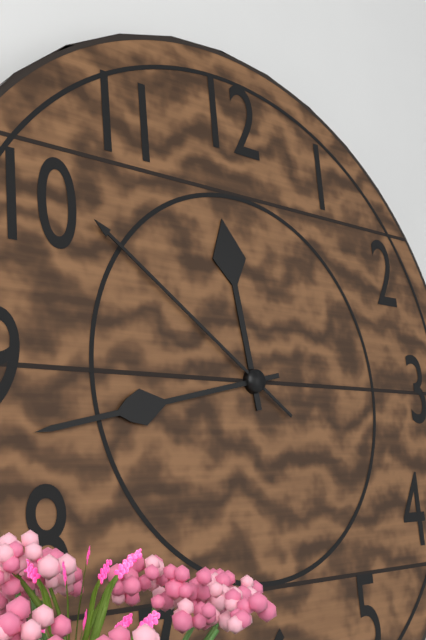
11:43:51
